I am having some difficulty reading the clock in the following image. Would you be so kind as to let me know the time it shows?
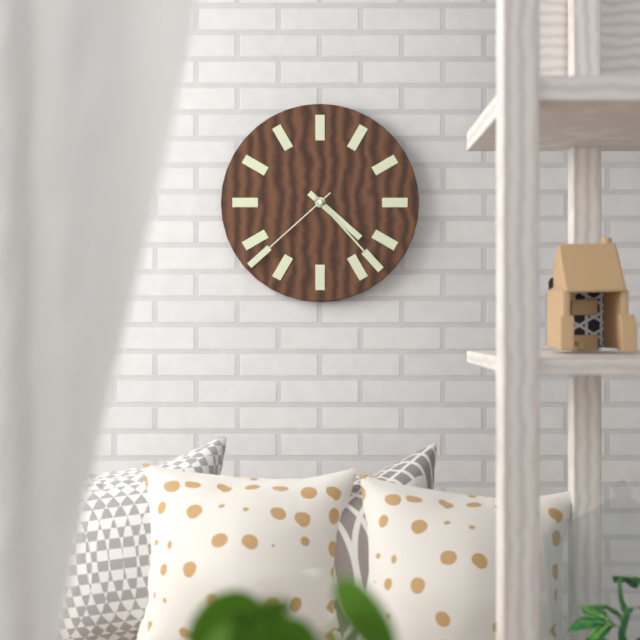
4:23:38
